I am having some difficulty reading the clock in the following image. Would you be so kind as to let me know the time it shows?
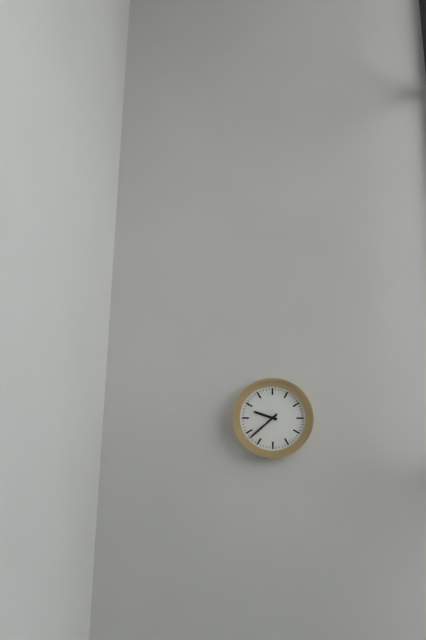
9:38
